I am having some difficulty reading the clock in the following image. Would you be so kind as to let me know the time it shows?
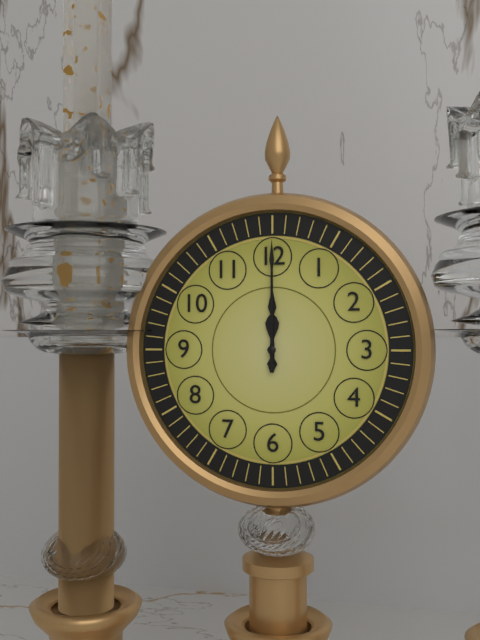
12:00
